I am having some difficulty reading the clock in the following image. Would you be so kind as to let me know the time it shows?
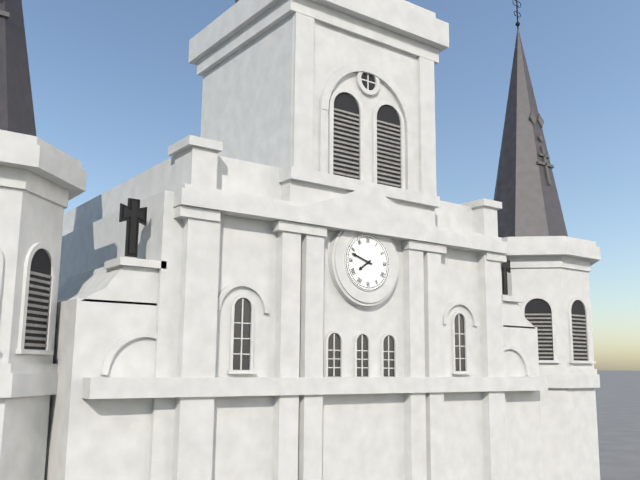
7:48
